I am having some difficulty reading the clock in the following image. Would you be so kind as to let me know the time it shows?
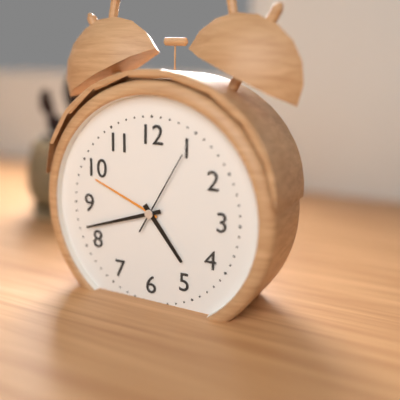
4:42:05
